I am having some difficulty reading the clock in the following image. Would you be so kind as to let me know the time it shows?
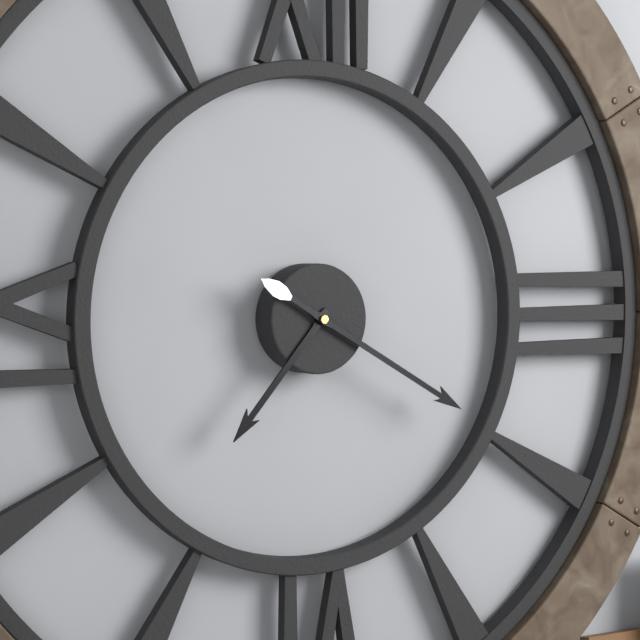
7:20
